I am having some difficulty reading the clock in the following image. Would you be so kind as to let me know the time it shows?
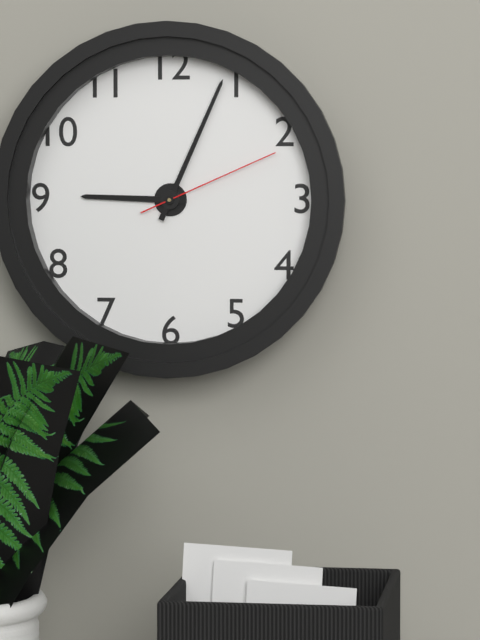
9:04:11
